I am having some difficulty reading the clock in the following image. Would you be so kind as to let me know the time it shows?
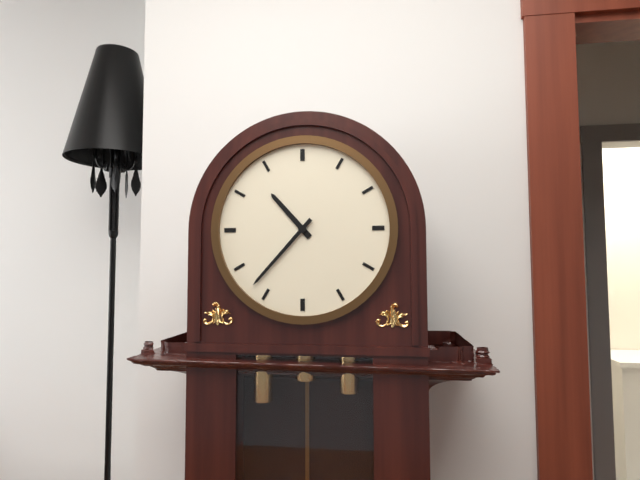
10:37
